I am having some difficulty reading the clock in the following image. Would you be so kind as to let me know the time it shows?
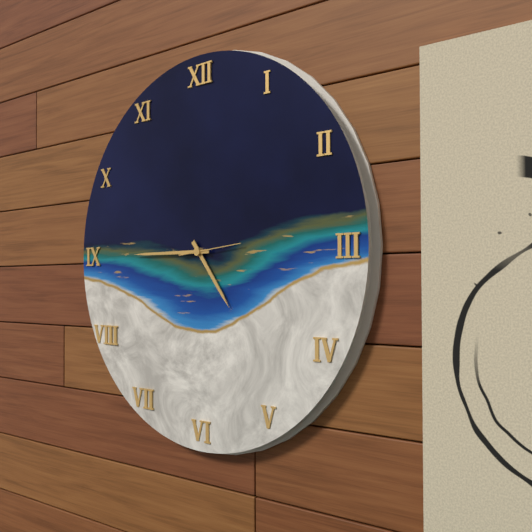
4:45:14
